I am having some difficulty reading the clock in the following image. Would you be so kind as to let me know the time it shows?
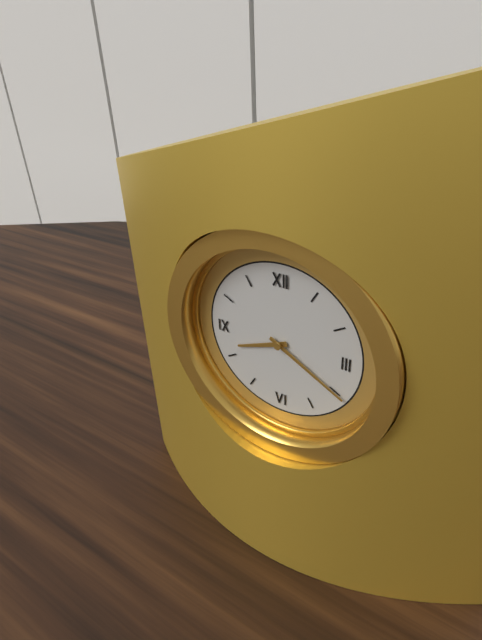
8:20
